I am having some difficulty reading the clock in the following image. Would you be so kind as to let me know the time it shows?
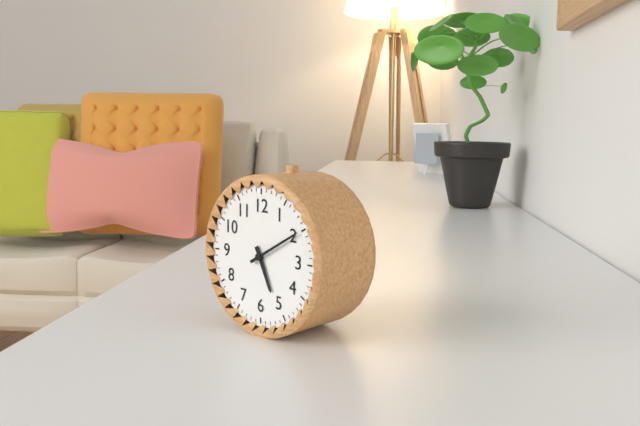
5:10
